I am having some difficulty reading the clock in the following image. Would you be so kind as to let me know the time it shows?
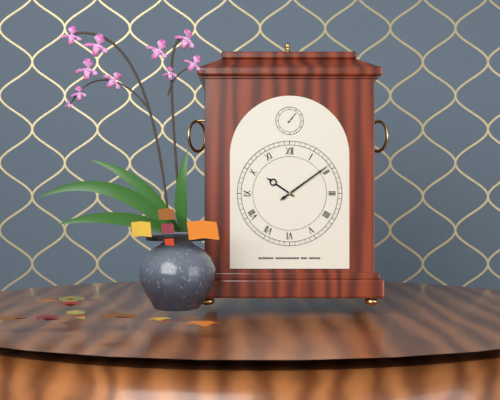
10:09
